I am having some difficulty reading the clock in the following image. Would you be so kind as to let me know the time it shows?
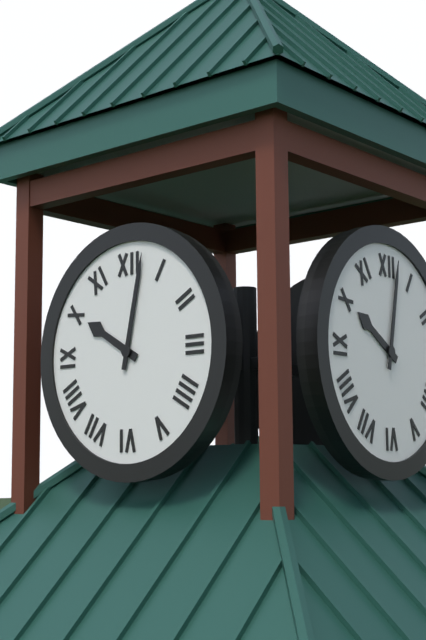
10:02
